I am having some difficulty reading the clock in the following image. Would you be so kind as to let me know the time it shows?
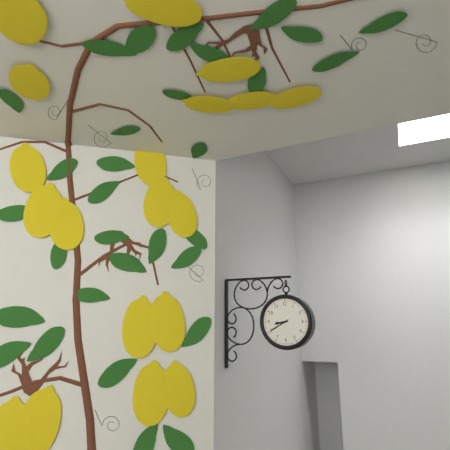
8:40
